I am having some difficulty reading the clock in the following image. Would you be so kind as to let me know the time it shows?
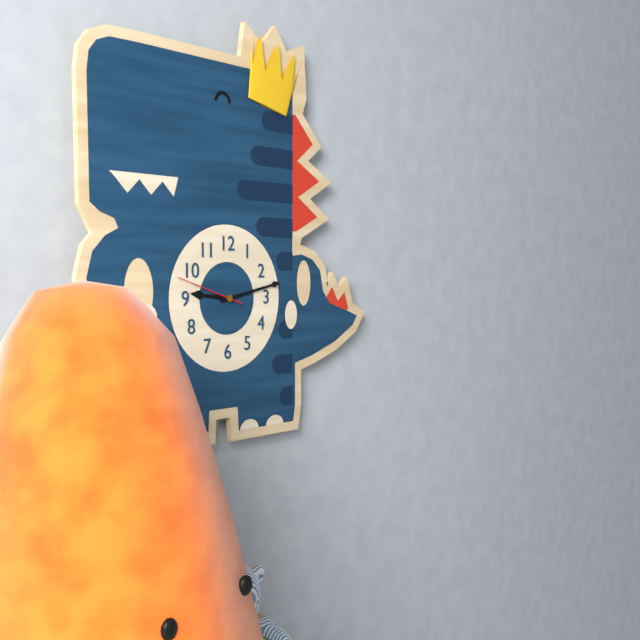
9:13:48
